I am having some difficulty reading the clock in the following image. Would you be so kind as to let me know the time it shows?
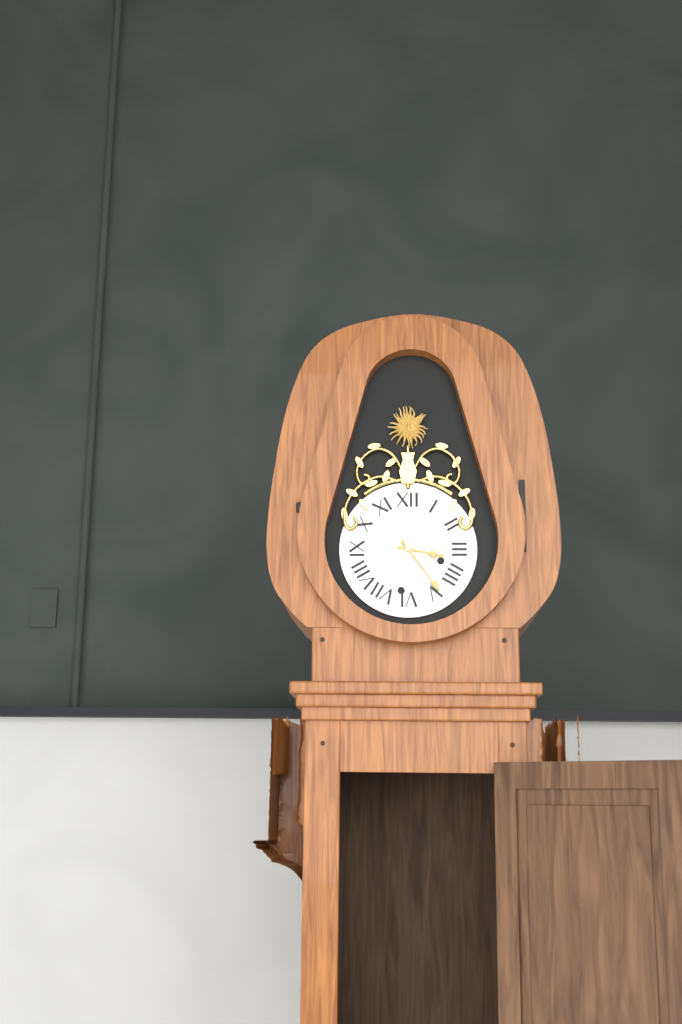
3:24
